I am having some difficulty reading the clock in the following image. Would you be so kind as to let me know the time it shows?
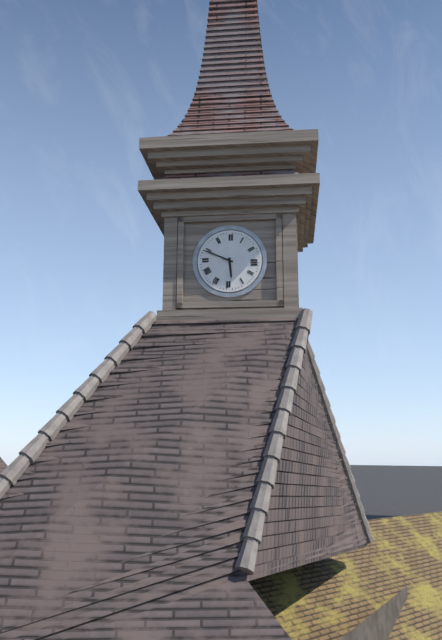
5:49
